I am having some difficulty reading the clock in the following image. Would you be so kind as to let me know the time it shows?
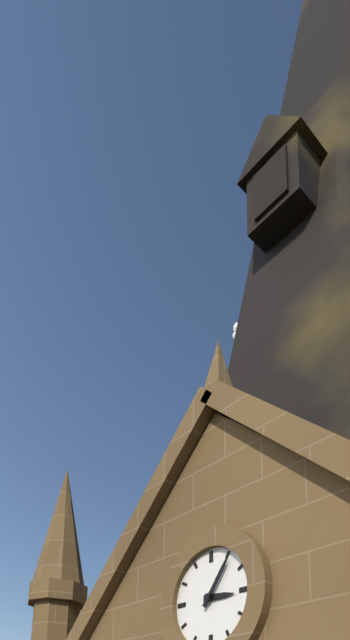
3:06
